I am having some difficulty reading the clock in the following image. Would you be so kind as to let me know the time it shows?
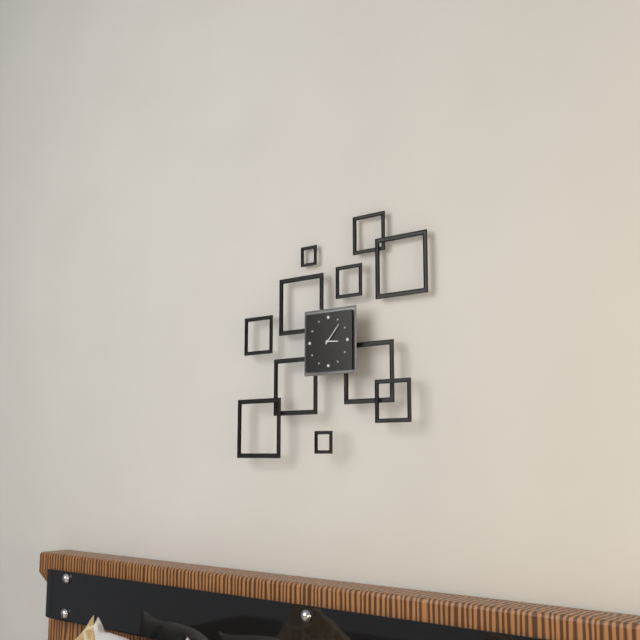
3:07
